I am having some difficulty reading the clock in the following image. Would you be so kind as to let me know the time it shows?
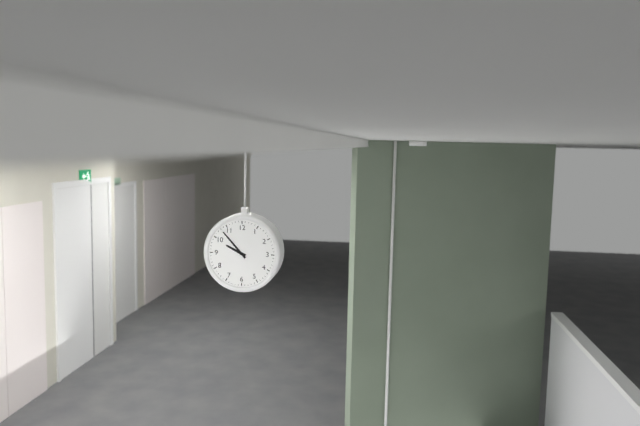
9:53
